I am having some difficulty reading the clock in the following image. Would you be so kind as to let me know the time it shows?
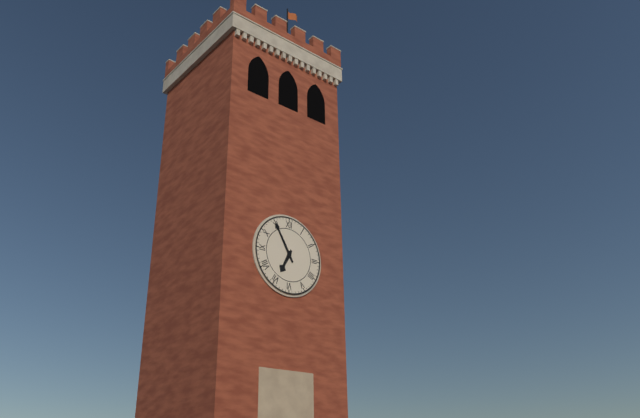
6:55
